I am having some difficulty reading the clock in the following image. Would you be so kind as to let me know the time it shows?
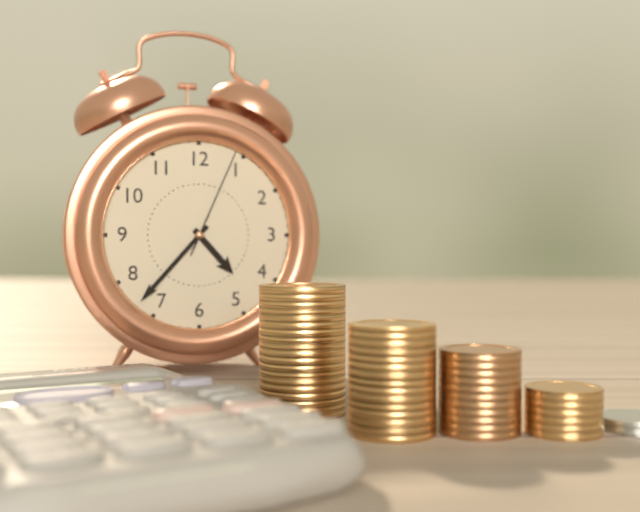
4:37:04
